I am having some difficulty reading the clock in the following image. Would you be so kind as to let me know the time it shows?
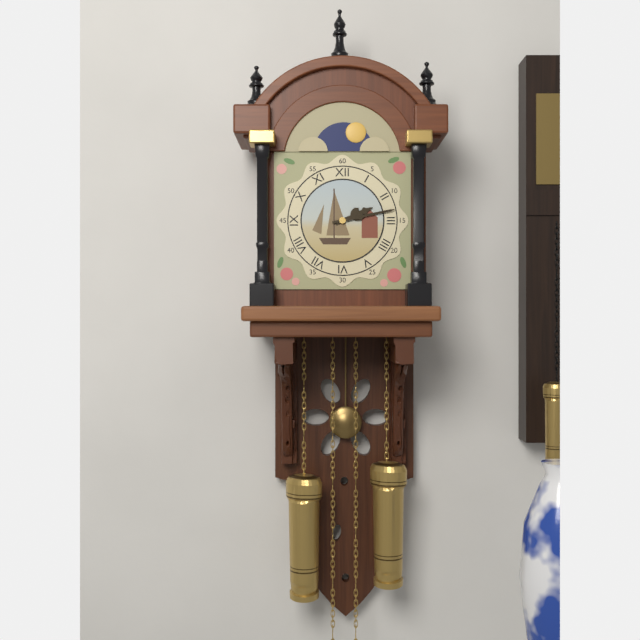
2:13
